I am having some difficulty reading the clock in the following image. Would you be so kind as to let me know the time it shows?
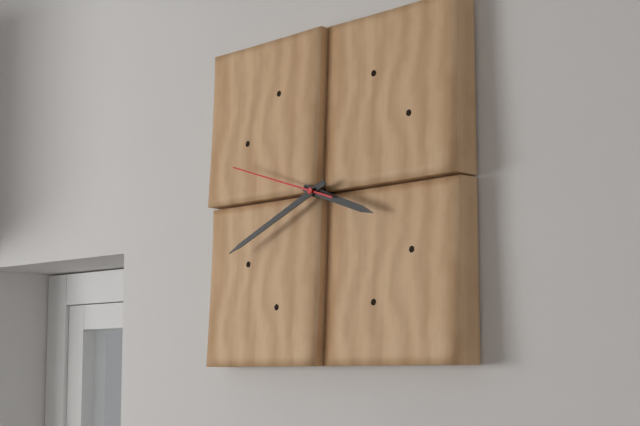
3:41:48
